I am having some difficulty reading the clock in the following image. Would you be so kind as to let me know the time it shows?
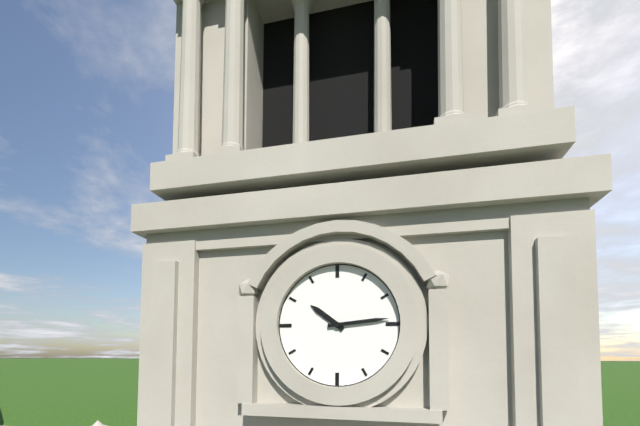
10:14
